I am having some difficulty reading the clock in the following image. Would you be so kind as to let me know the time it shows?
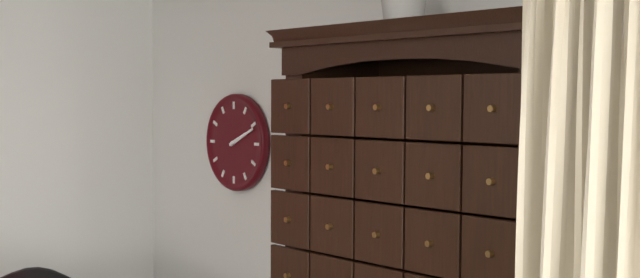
2:11
